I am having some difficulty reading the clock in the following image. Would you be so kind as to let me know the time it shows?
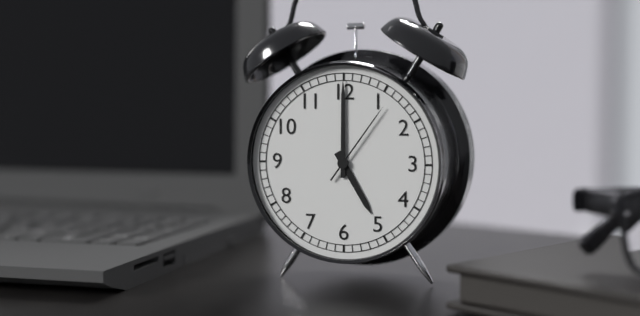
5:00:06
